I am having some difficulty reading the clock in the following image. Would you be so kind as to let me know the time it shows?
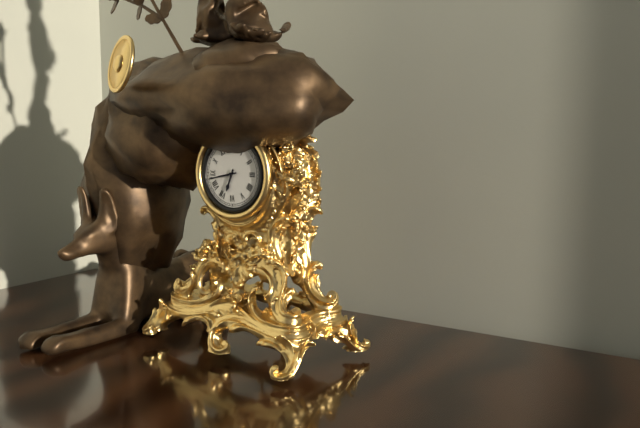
6:43
